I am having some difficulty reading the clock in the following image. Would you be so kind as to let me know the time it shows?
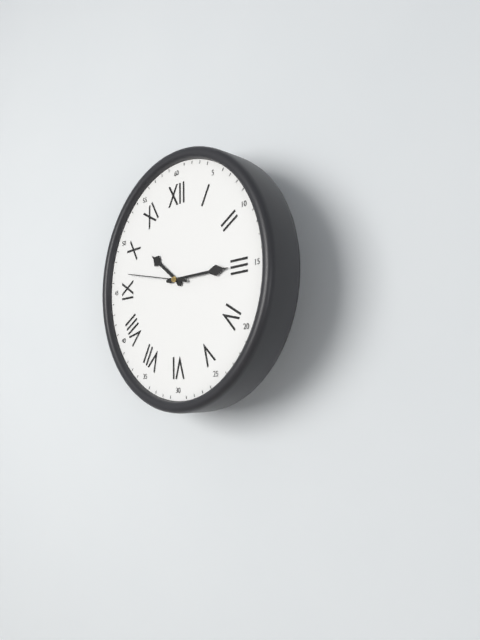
10:15:47
